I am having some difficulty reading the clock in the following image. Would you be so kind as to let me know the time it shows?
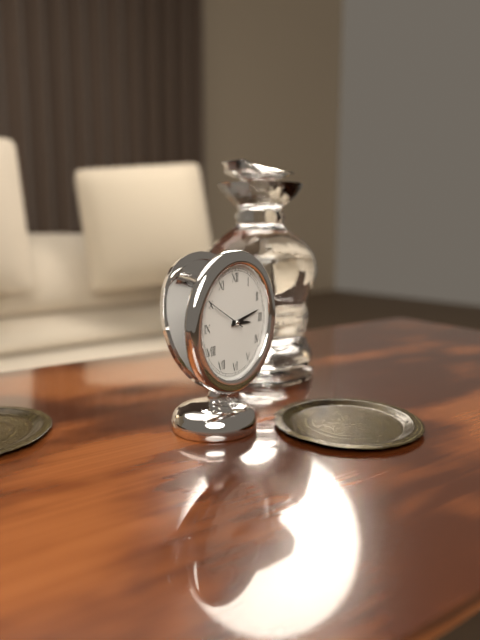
3:13
